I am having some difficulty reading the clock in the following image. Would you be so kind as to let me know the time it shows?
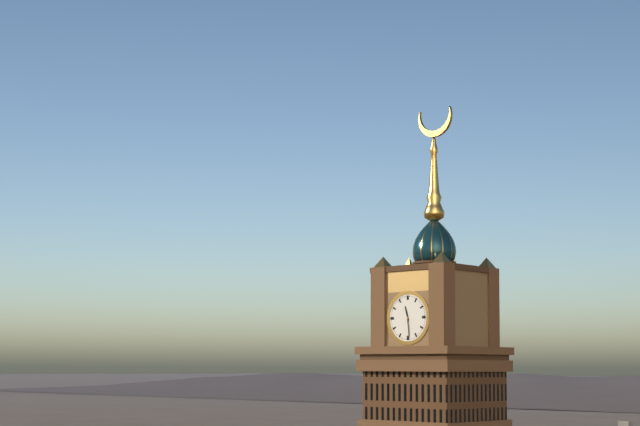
11:29
